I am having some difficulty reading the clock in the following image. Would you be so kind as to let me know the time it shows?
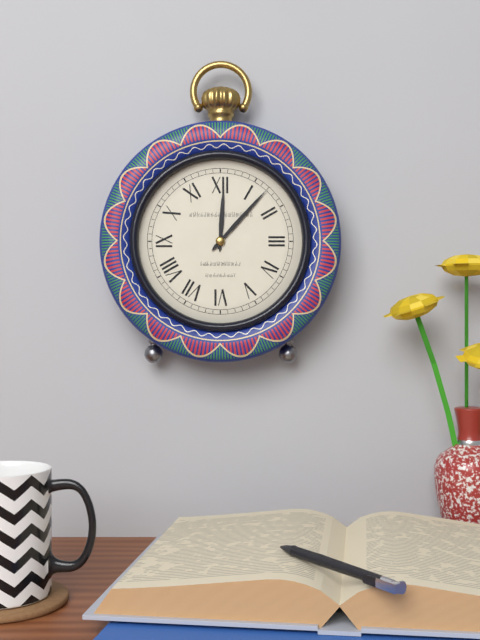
12:07
